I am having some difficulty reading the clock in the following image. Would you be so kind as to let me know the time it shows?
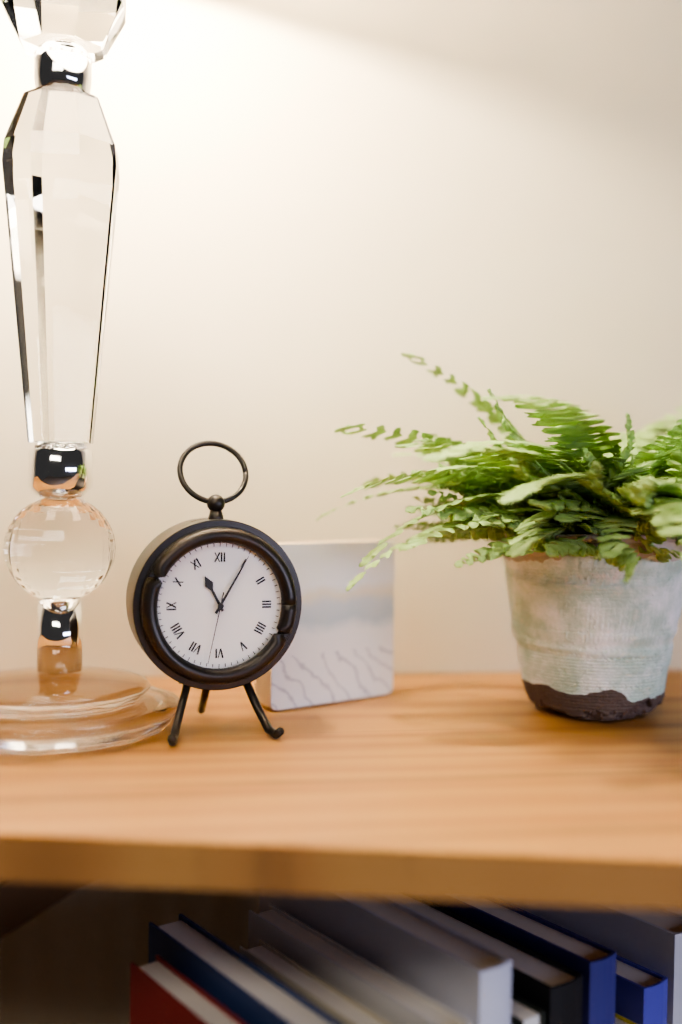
11:05:32
